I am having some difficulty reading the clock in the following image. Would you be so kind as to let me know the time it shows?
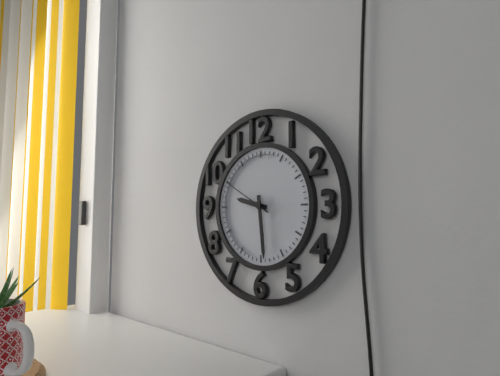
9:29:50
